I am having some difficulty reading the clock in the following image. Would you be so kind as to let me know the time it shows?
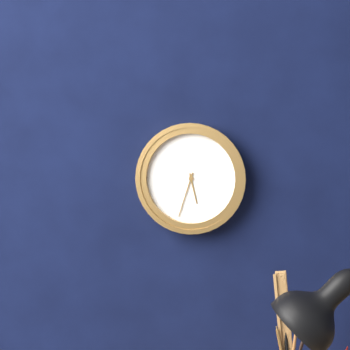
5:33
